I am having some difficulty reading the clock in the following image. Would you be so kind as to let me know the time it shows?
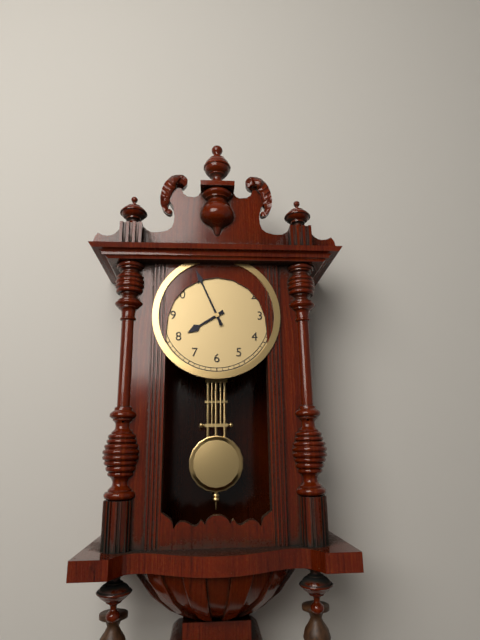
7:56
